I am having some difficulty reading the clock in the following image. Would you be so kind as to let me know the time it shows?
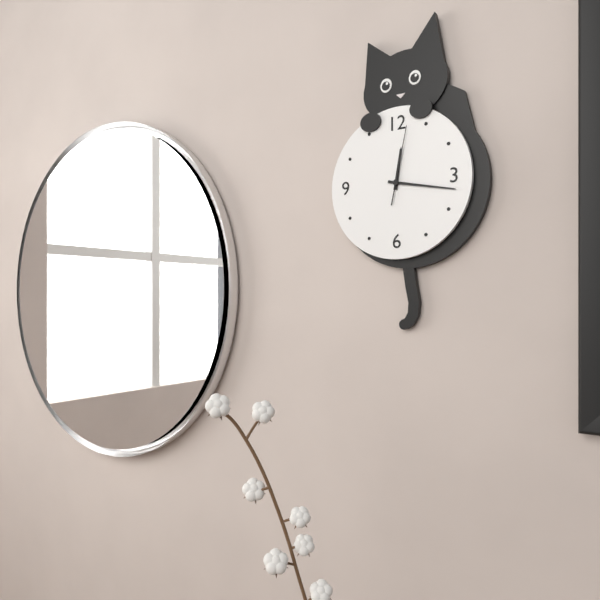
12:17:02
